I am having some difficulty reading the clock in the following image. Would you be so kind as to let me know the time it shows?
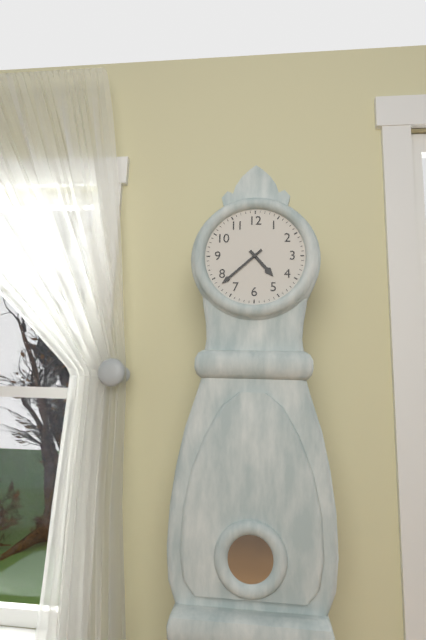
4:38
